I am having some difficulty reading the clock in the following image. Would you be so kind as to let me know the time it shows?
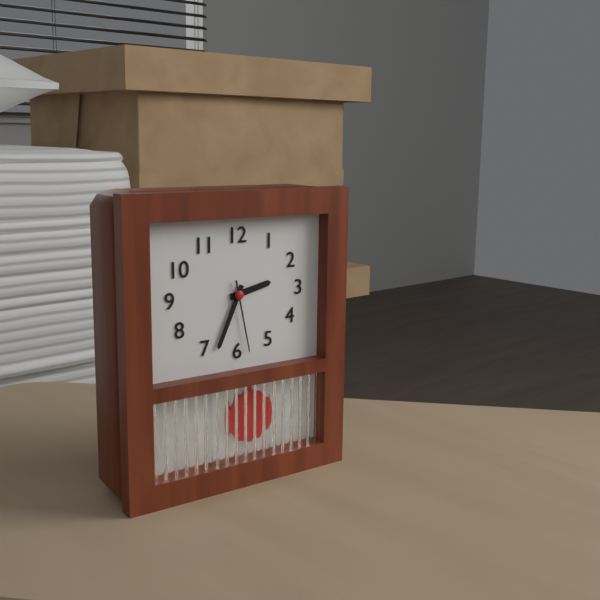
2:34:28
